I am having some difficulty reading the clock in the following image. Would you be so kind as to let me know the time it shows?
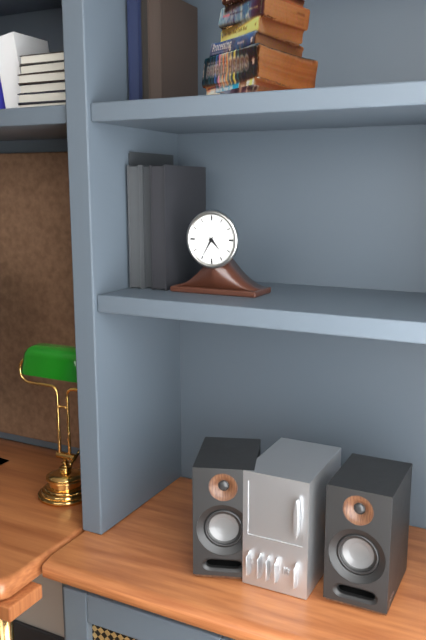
4:35
